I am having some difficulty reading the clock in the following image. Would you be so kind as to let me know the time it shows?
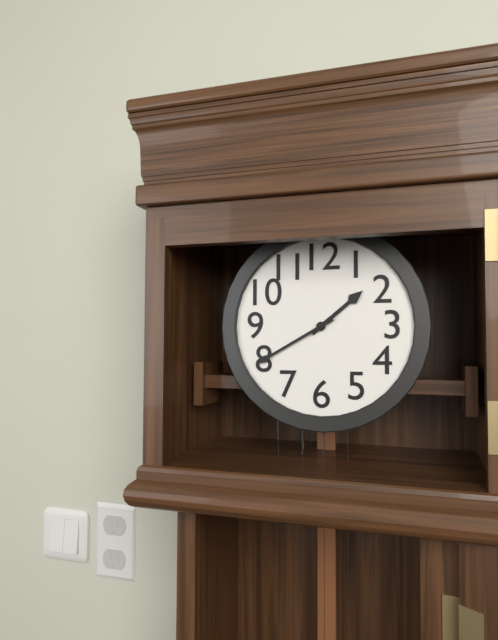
1:40
